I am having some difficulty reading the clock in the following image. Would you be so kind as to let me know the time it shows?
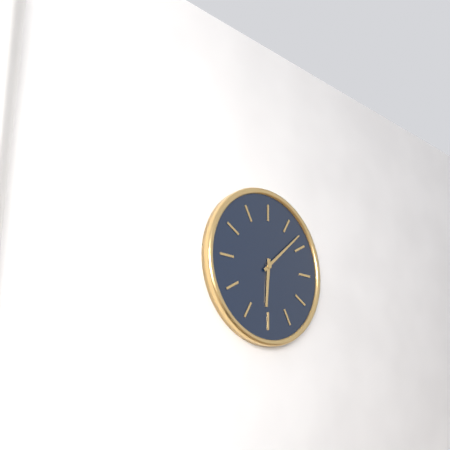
6:08
